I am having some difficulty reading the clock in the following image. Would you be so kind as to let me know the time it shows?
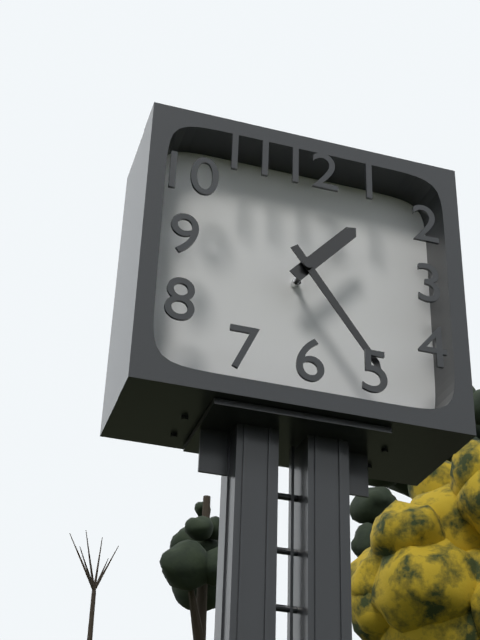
1:24
